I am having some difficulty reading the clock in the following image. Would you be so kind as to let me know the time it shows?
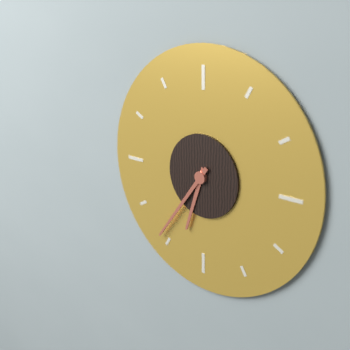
6:36
